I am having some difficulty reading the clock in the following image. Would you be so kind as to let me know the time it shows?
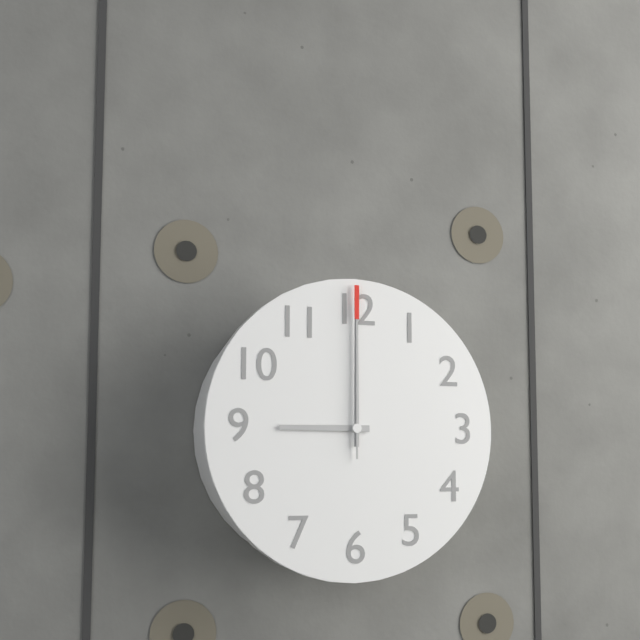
9:00:00
